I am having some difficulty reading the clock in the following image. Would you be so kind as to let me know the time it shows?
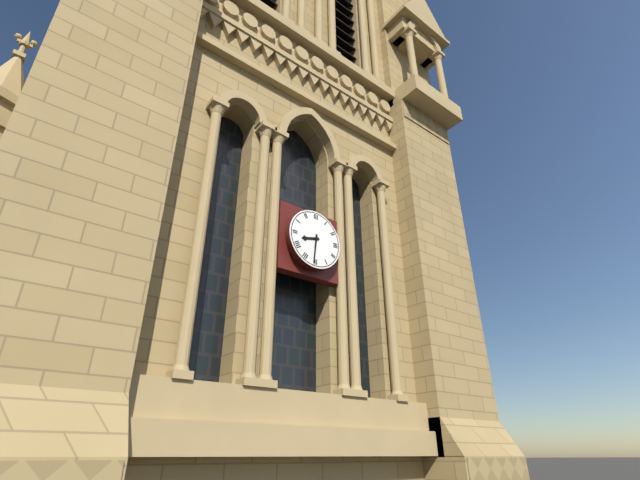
8:31
